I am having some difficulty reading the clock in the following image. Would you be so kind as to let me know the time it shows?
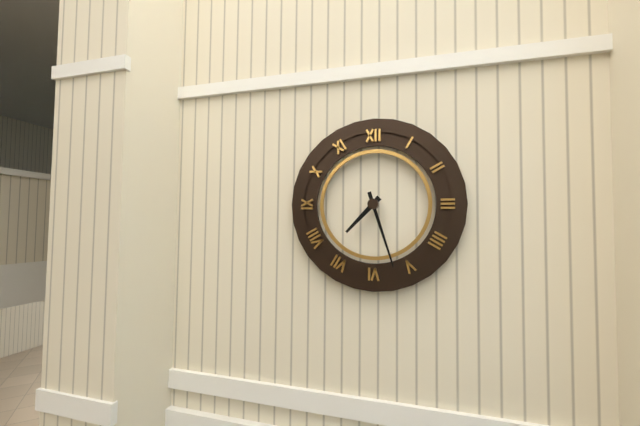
7:27
